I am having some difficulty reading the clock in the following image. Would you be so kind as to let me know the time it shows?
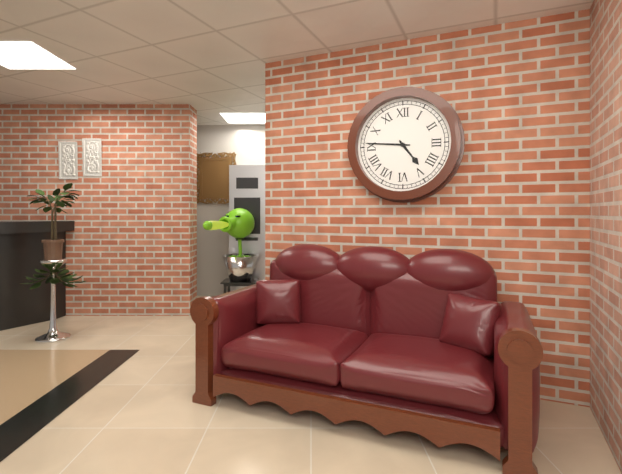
4:46
